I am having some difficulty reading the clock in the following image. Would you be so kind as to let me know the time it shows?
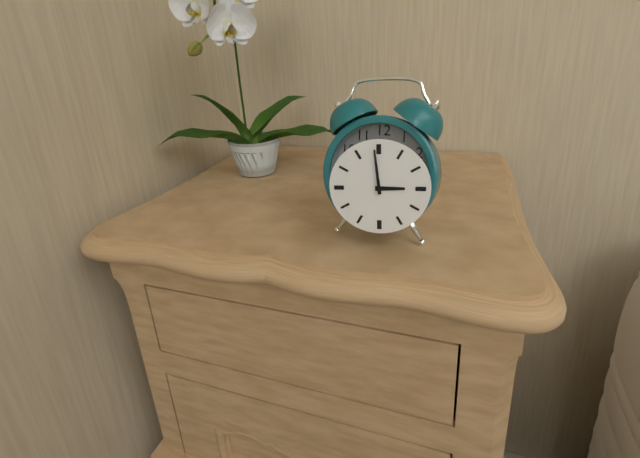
2:59
